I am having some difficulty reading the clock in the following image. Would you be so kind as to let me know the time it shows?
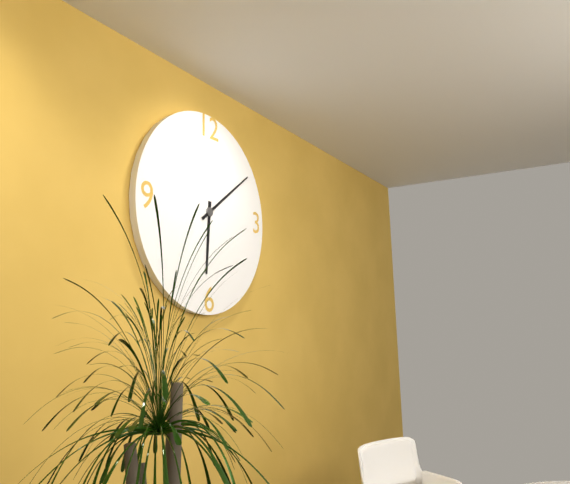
6:09
